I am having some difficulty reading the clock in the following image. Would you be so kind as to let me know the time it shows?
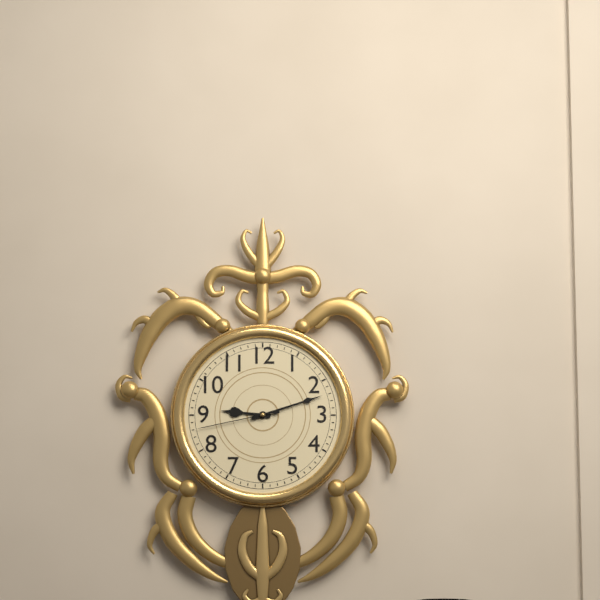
9:12:43
